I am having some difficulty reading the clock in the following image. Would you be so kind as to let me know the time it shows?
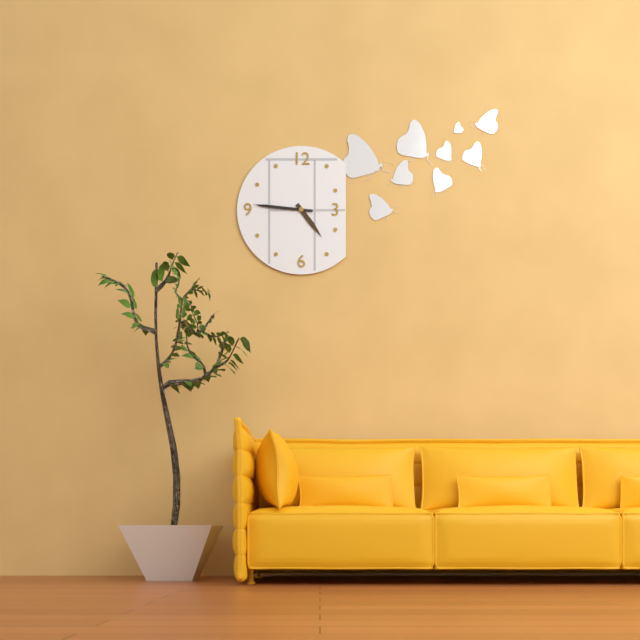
4:46
